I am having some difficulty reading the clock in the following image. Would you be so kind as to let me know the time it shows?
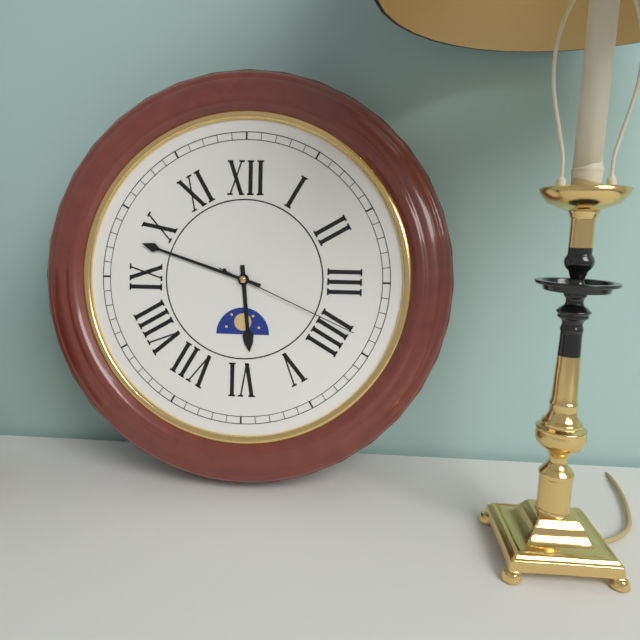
5:48:19
